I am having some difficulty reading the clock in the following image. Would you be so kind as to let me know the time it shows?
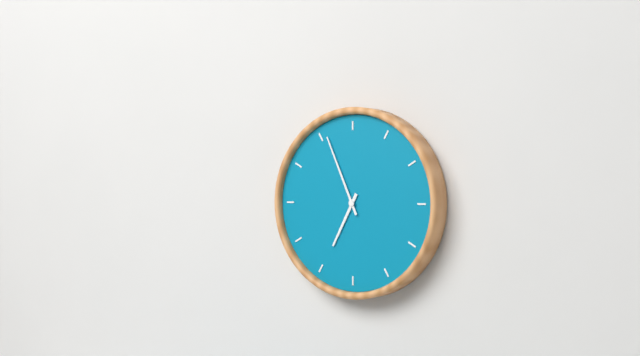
6:56
